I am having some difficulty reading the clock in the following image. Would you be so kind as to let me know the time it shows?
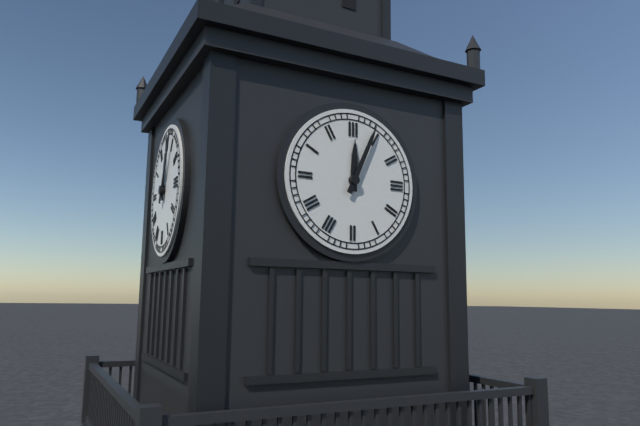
12:04
